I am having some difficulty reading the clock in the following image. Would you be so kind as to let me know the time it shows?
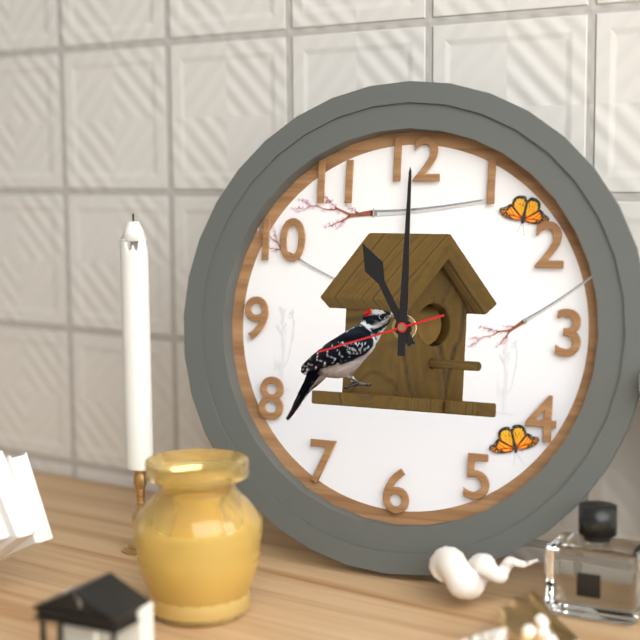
11:00:42
